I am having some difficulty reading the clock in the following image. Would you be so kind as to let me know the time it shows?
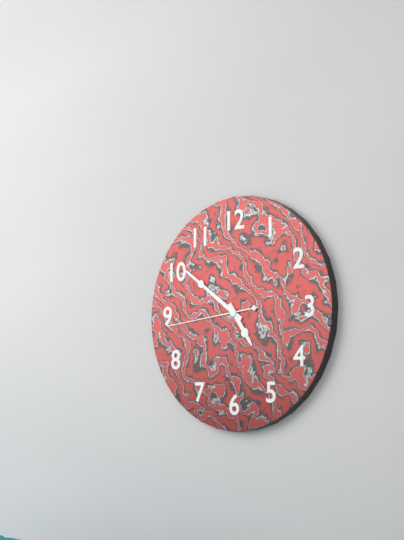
4:51:44
